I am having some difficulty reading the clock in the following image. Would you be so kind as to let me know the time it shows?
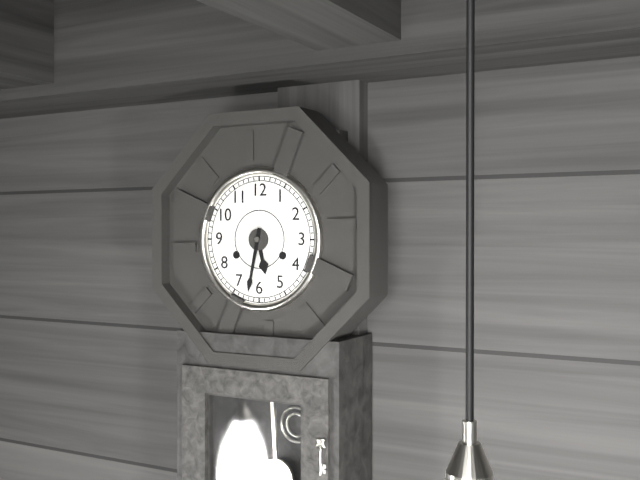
5:32
